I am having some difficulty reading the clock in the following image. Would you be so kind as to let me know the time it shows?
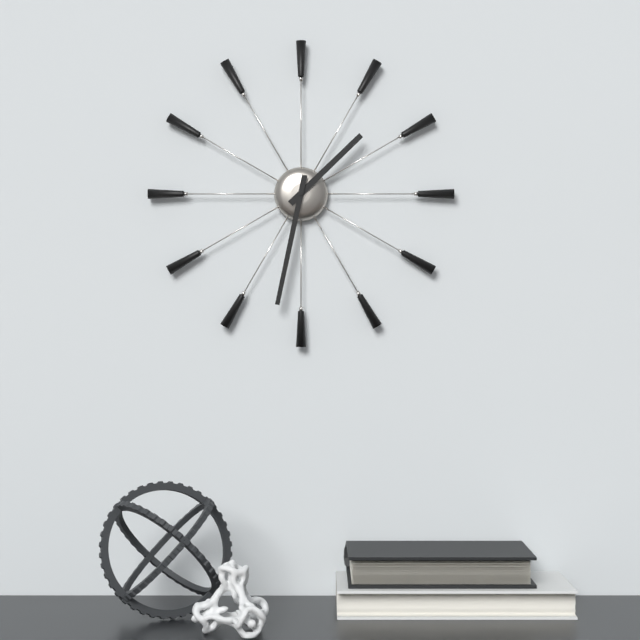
1:32
